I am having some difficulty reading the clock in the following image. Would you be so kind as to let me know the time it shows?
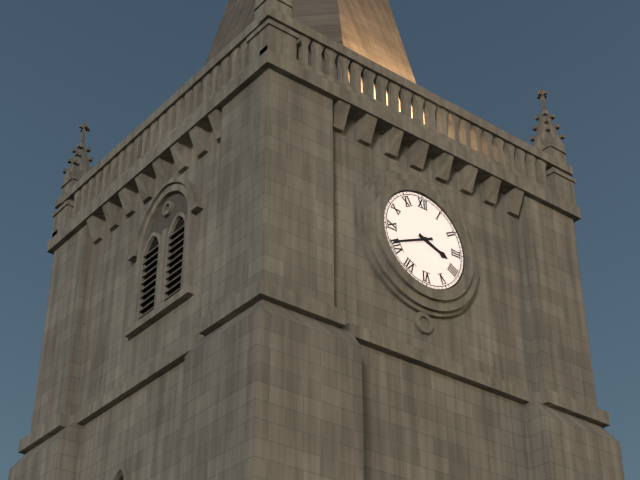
3:41
